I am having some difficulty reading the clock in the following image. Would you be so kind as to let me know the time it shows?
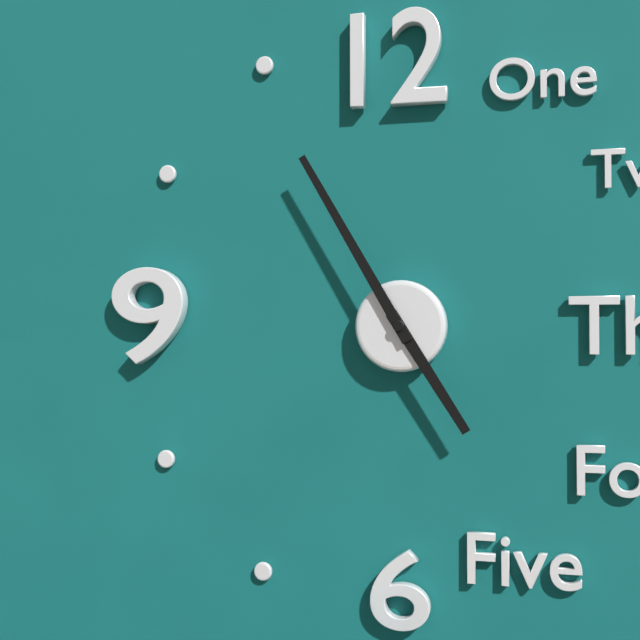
4:55
